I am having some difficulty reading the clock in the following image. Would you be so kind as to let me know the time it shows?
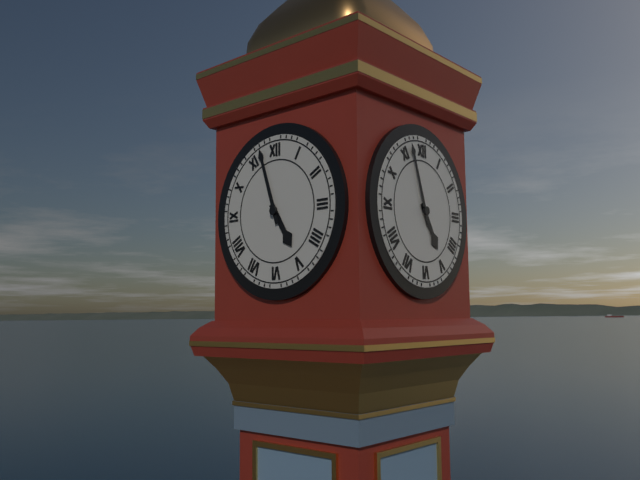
4:57
